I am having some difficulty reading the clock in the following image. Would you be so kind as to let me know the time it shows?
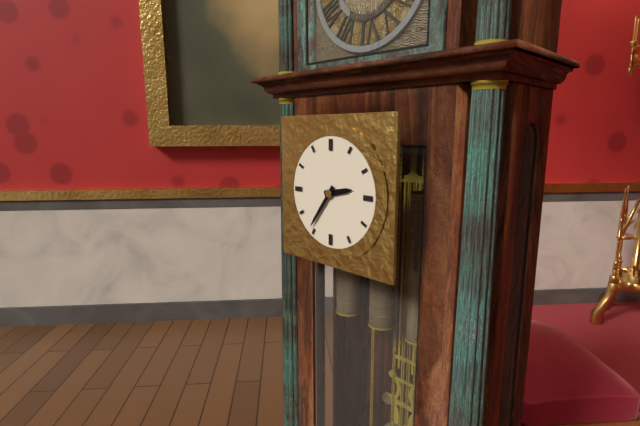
2:36
